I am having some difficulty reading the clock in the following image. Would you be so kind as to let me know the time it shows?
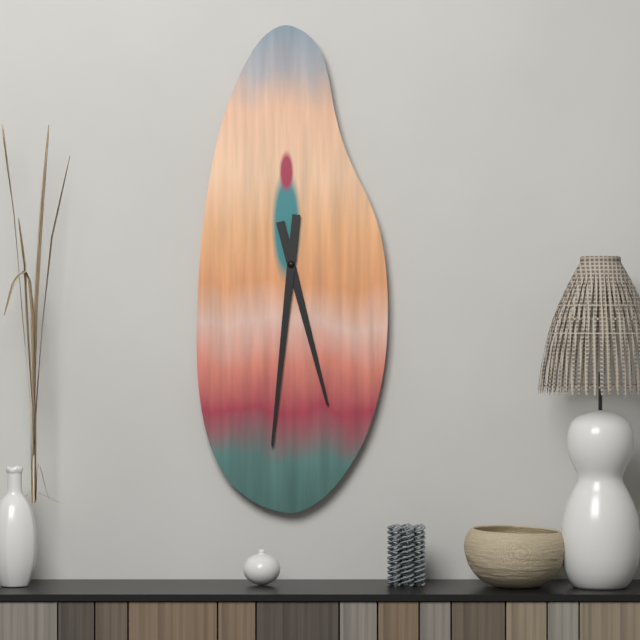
5:31
